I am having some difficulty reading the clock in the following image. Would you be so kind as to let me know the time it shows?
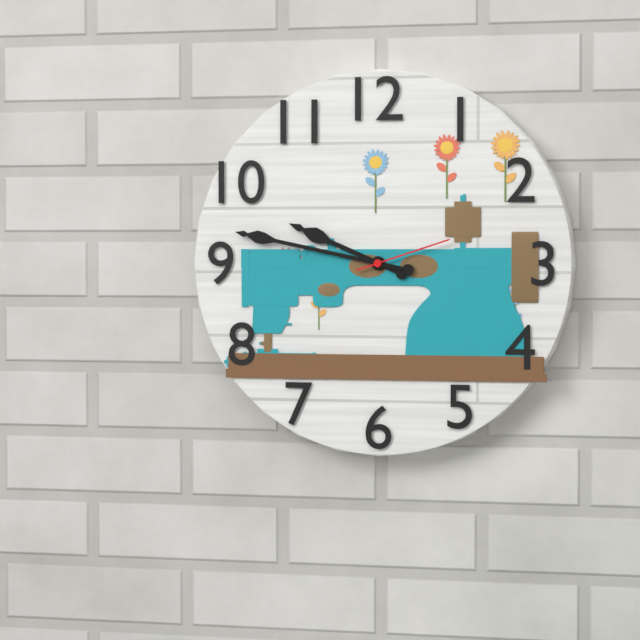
9:47:12
